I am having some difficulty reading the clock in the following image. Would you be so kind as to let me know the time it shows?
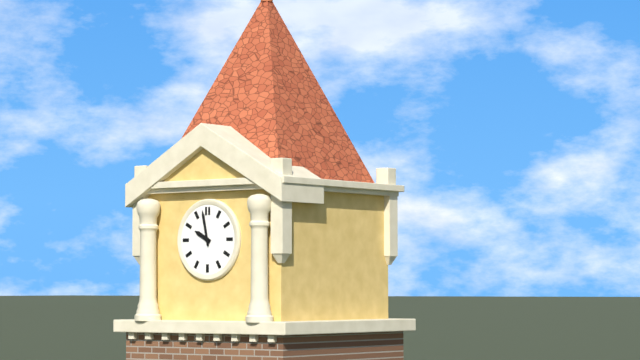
9:58
